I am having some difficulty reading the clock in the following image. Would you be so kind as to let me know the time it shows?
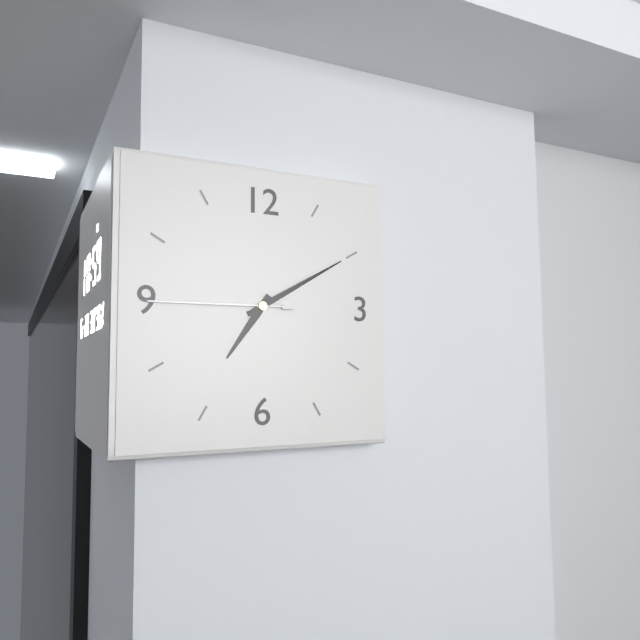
7:10:45
